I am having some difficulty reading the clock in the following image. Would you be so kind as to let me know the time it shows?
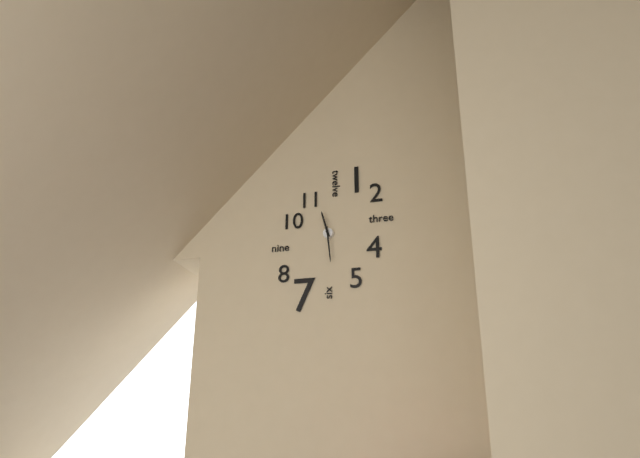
11:29
